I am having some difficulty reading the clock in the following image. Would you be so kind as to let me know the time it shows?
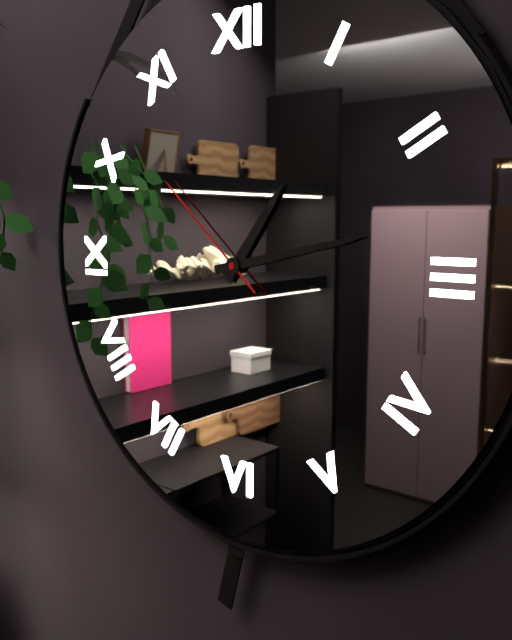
1:13:52
